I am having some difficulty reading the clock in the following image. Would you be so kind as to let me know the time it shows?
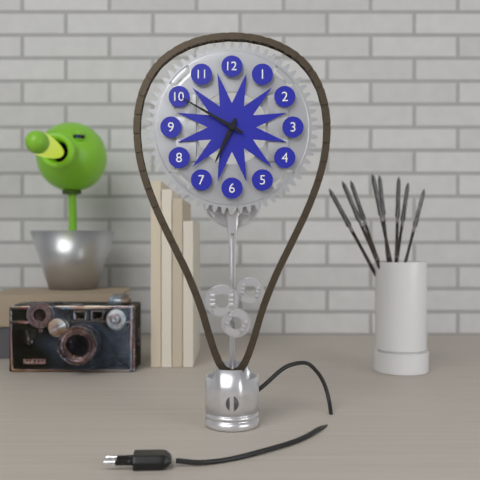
6:50
